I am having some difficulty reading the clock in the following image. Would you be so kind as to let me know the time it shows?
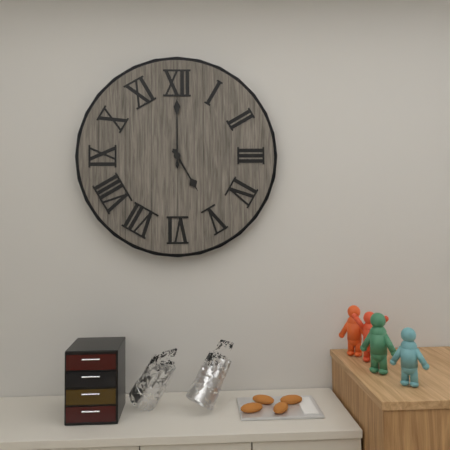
5:00
